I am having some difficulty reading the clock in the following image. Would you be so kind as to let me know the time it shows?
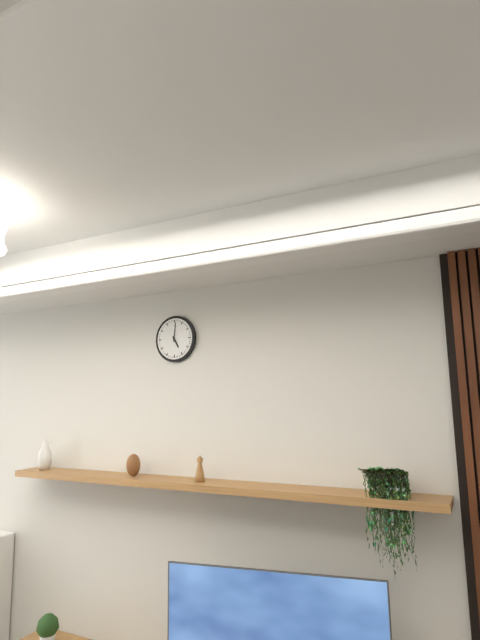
5:01
